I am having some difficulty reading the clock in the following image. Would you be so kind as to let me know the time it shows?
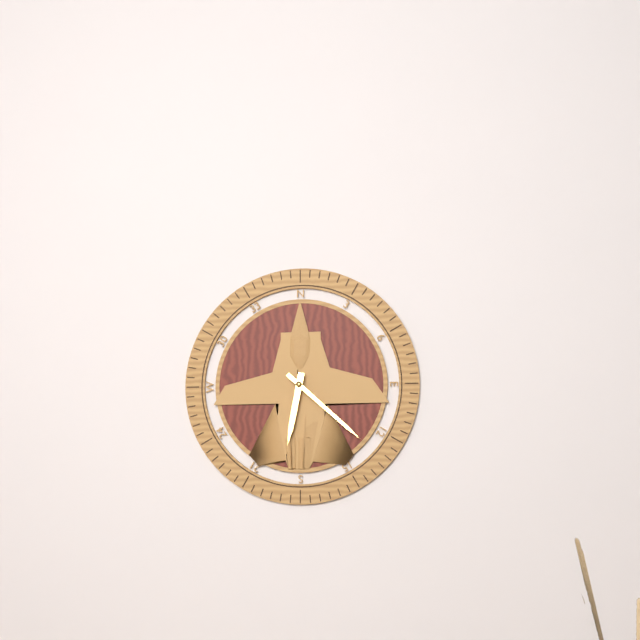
6:22
